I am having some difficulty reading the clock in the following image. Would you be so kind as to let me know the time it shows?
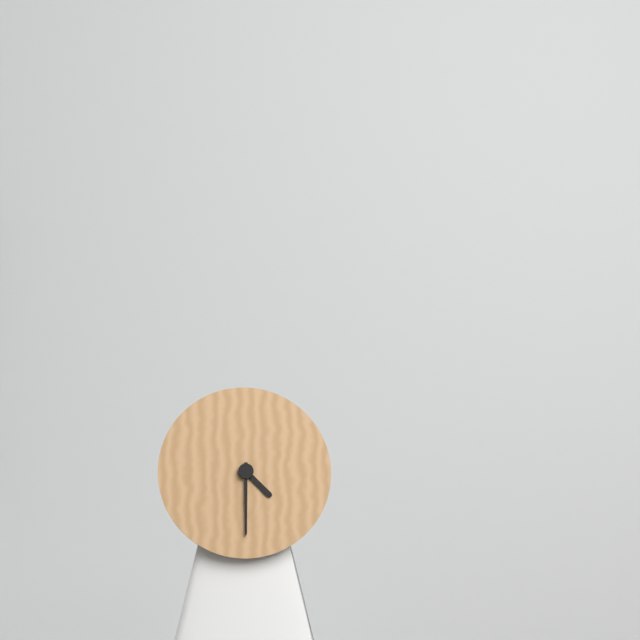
4:30
